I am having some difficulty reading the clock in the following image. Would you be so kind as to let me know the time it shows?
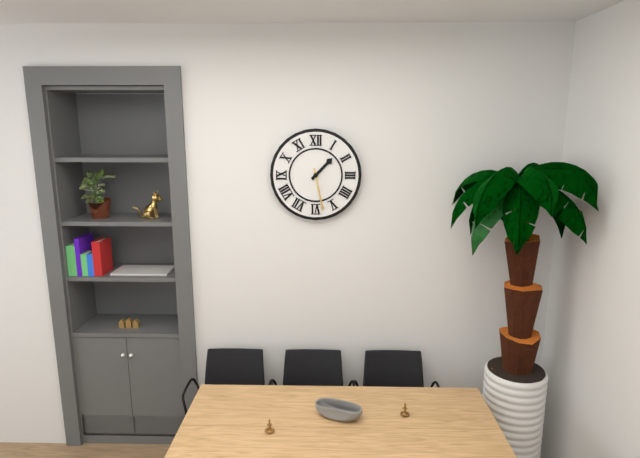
1:28
